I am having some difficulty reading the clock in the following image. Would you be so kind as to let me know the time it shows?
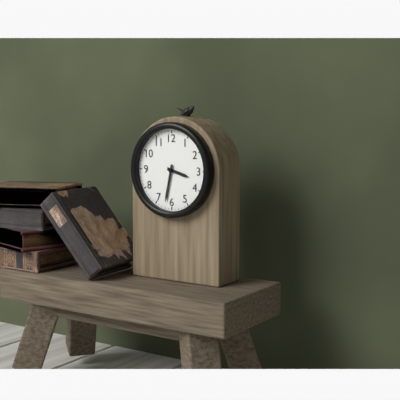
3:32
